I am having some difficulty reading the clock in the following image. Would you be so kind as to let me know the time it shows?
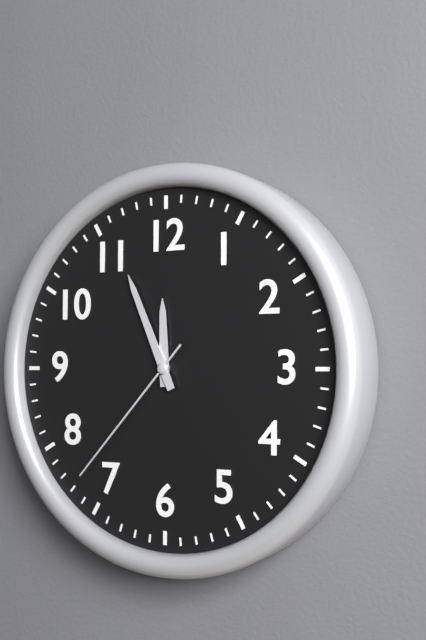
11:56:37
